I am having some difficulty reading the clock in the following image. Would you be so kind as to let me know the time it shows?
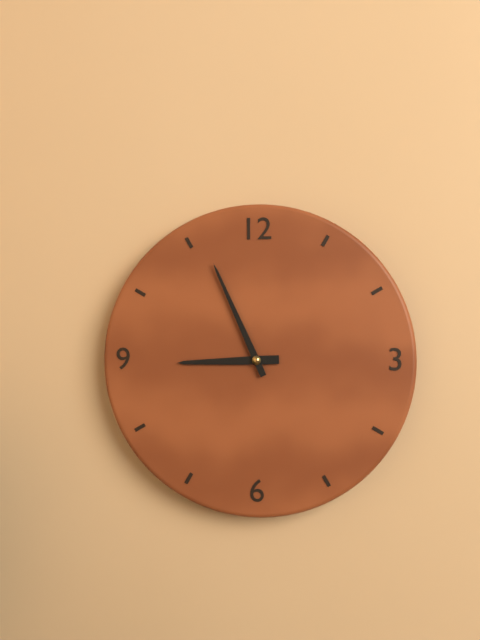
8:56
